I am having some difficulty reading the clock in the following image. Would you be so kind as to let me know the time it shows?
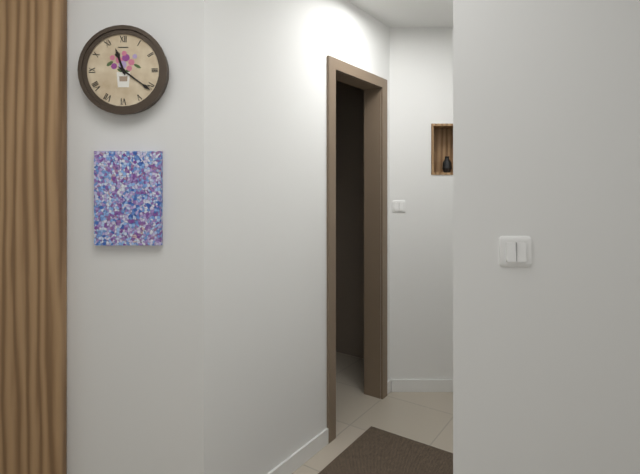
11:21
